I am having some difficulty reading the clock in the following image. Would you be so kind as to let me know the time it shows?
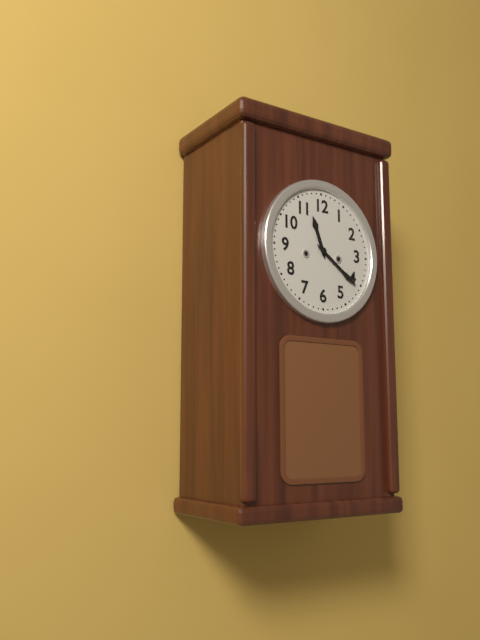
11:21
